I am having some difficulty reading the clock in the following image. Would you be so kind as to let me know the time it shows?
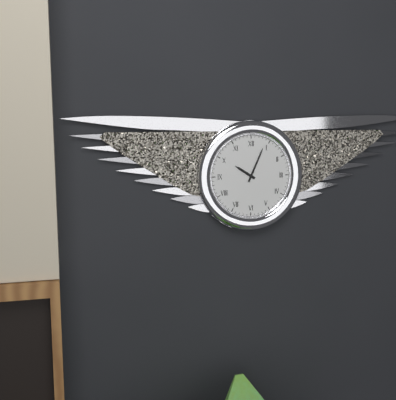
10:04
